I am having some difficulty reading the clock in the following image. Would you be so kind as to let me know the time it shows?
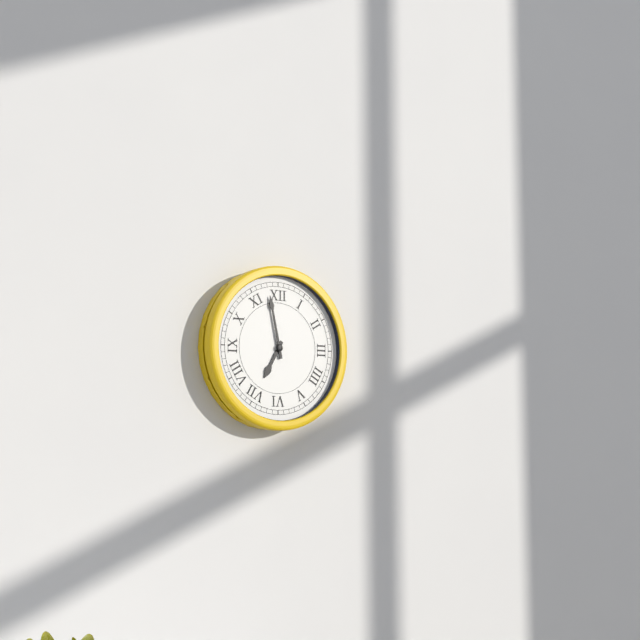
6:58
